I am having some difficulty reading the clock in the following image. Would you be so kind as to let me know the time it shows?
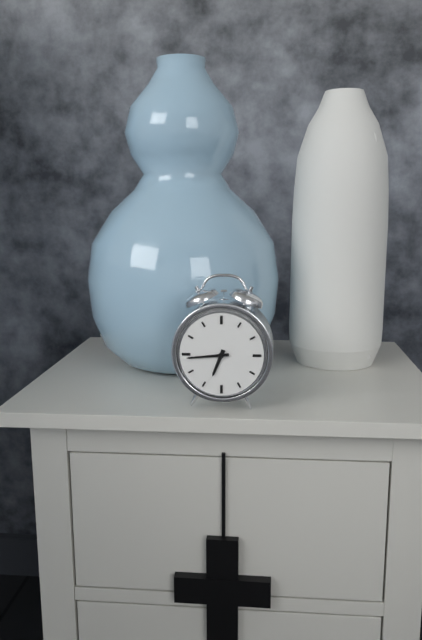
6:44
